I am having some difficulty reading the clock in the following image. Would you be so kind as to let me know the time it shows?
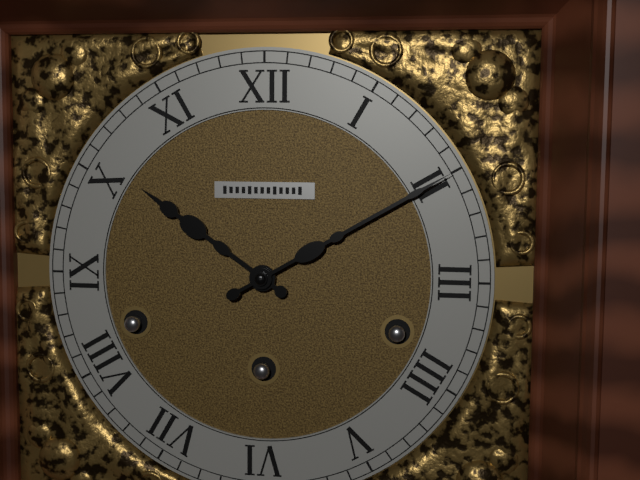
10:10
